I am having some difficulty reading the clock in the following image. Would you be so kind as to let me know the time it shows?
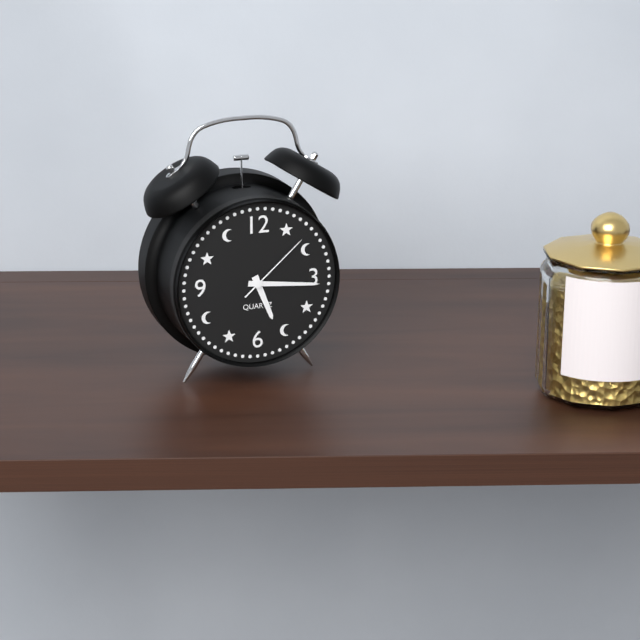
5:16:08
